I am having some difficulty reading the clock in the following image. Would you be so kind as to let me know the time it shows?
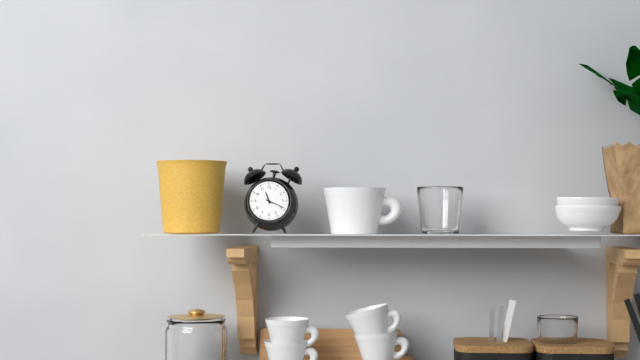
11:19
